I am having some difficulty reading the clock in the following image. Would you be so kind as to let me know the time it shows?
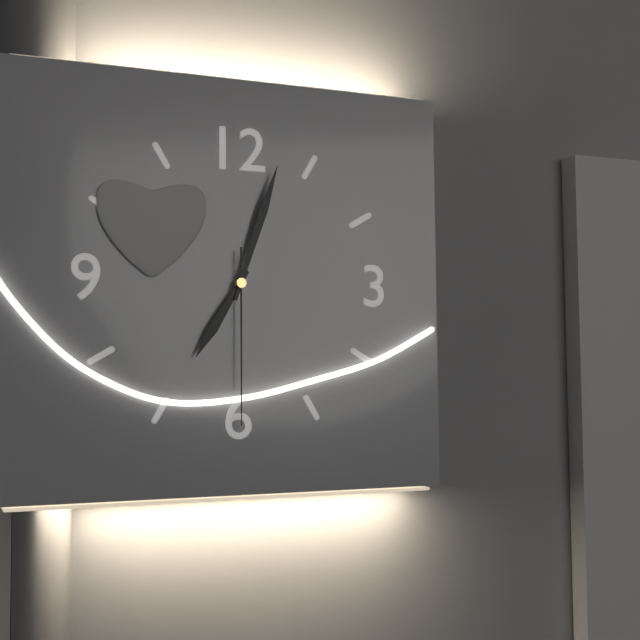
7:03:30
